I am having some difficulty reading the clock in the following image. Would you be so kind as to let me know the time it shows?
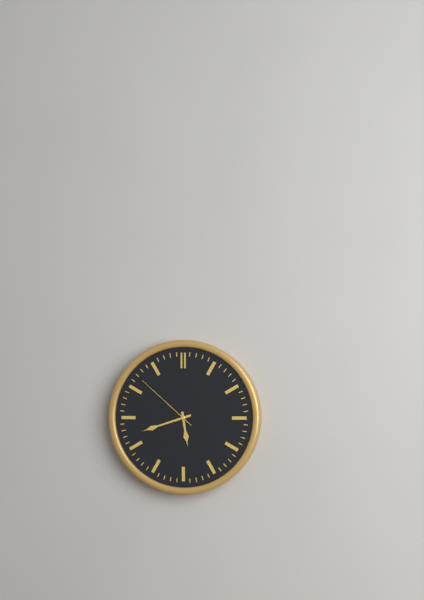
5:42:52
